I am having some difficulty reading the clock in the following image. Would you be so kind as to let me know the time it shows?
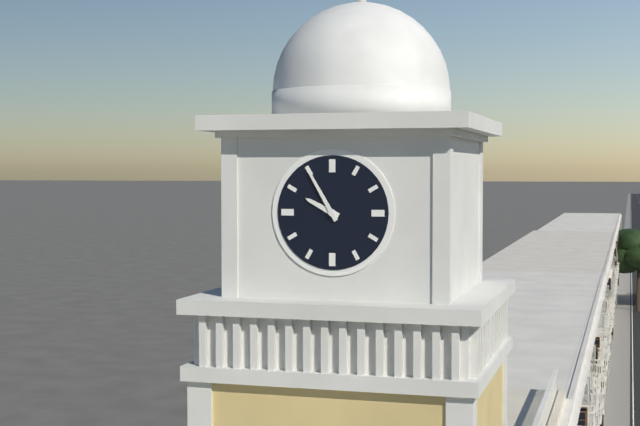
9:55
